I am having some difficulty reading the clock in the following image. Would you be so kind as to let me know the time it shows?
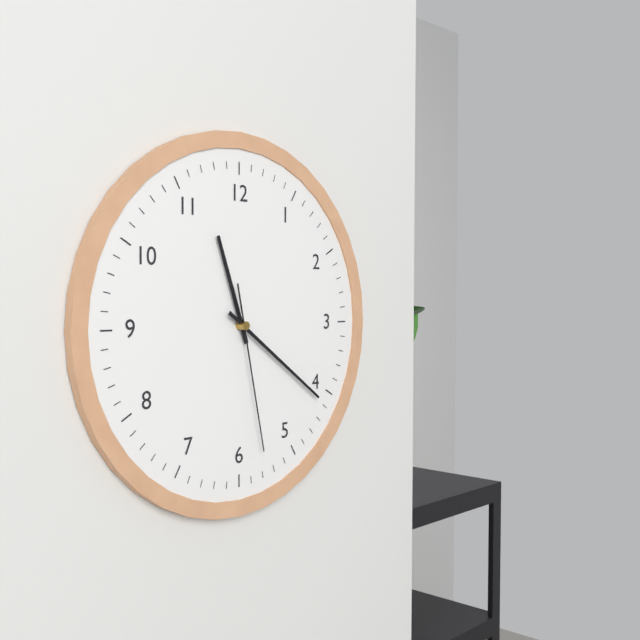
11:21:28
